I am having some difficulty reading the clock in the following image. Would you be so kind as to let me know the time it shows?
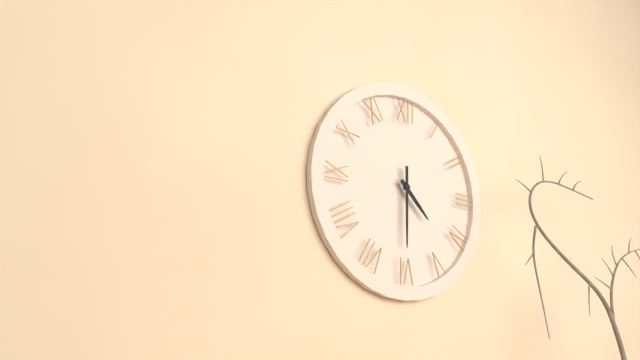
4:30
